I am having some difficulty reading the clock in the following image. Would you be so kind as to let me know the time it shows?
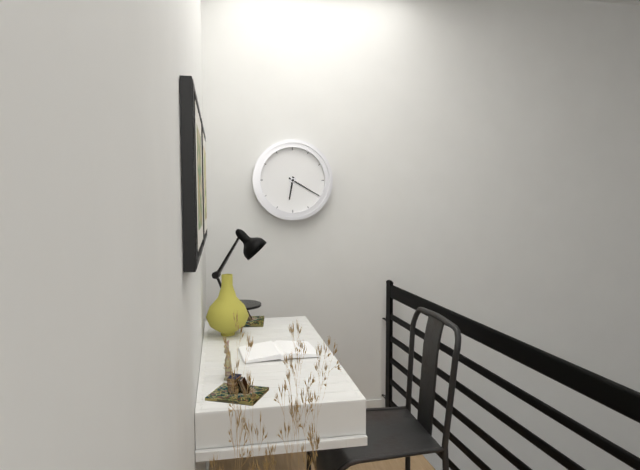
6:20
